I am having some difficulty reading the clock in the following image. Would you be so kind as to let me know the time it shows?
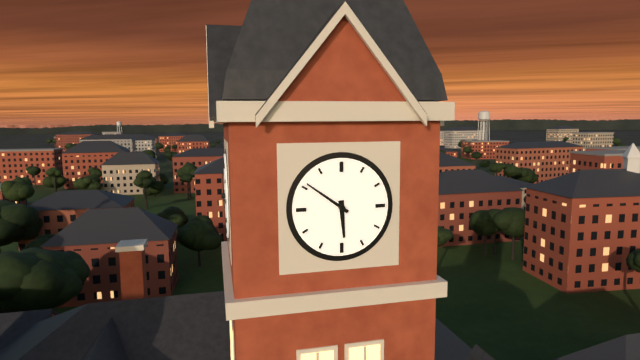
5:51
